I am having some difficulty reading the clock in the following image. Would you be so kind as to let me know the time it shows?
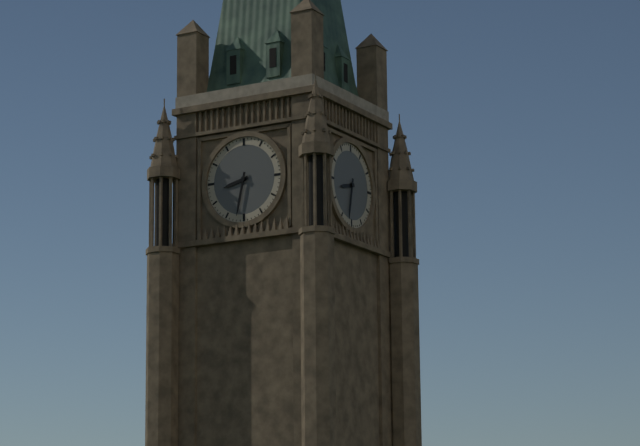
8:32
